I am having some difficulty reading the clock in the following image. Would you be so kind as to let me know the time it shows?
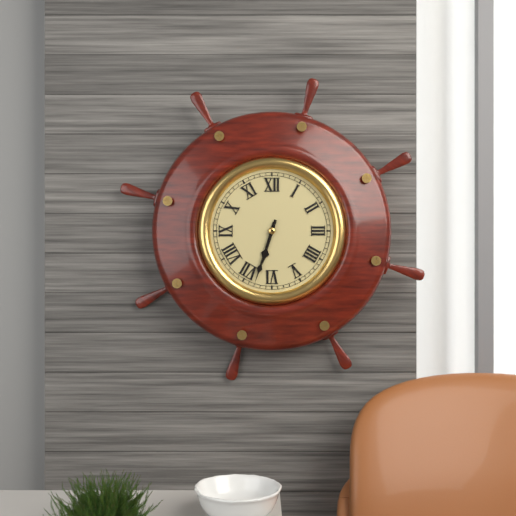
6:33
